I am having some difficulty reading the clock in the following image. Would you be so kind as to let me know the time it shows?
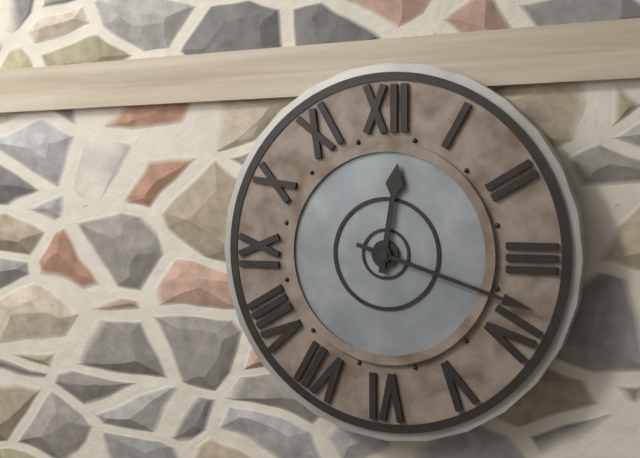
12:18
